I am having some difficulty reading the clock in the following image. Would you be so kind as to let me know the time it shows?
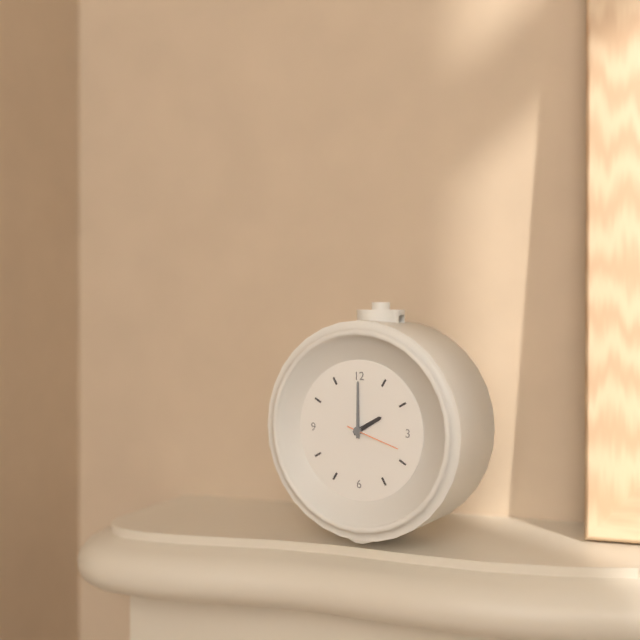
2:00:18
